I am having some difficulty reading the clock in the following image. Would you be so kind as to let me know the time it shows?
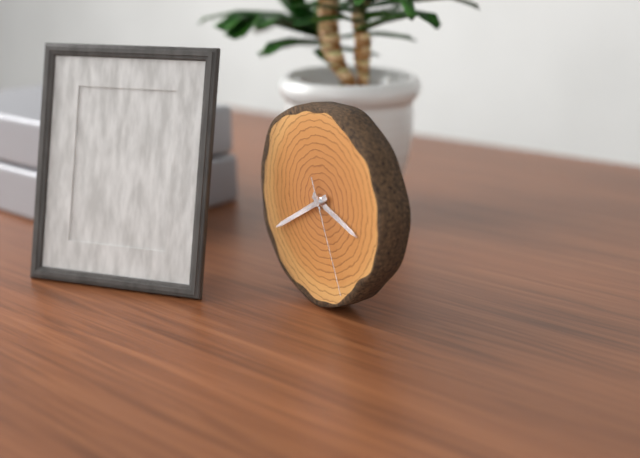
3:40:26
